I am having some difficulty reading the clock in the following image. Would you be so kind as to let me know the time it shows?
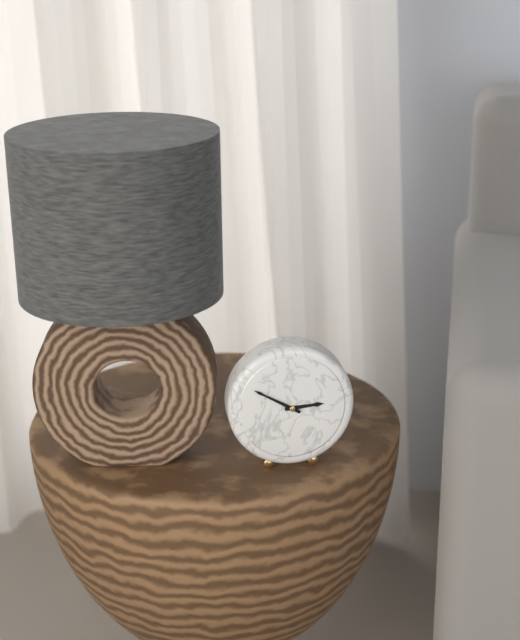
2:50
